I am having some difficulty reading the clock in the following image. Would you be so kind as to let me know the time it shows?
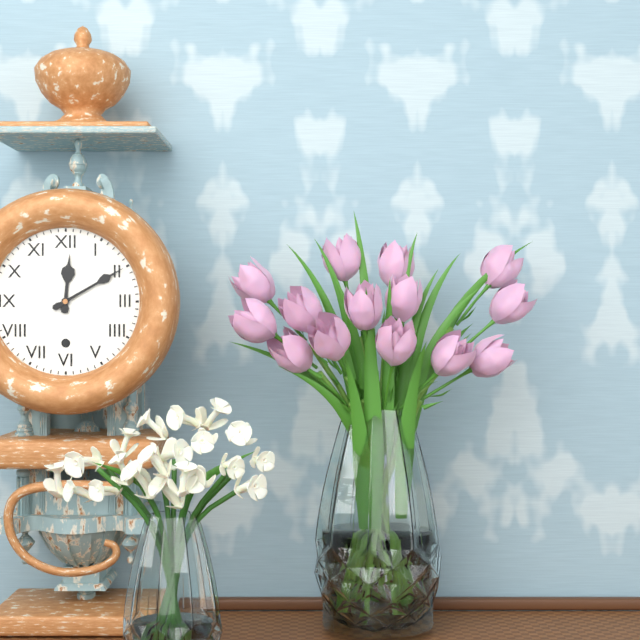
12:10
